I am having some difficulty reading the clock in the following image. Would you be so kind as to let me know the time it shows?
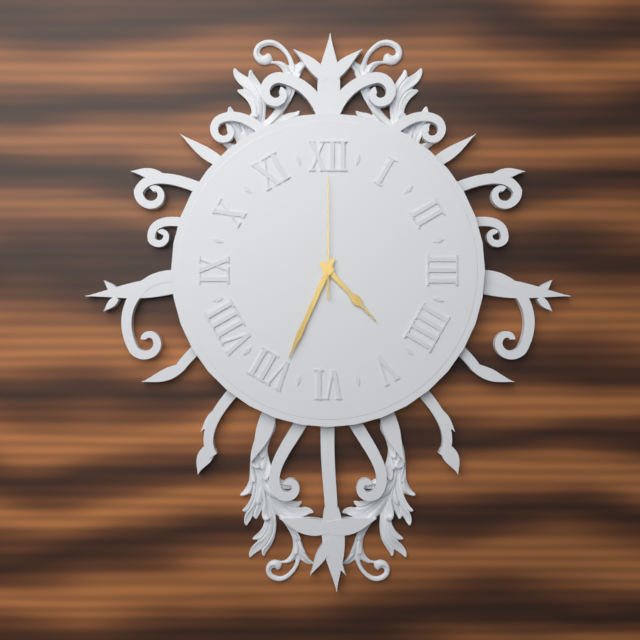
4:34:00
